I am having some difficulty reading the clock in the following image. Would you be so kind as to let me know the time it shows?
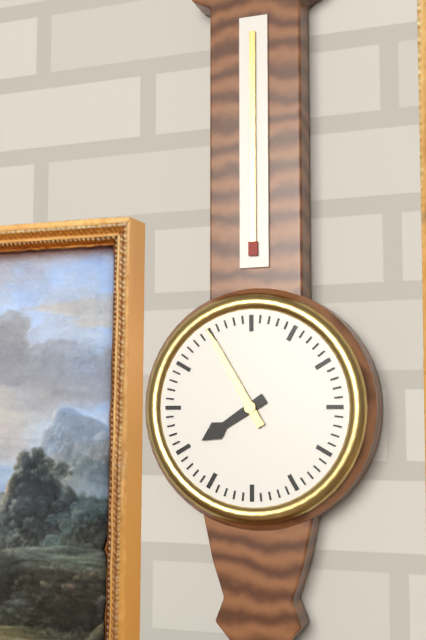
7:55
